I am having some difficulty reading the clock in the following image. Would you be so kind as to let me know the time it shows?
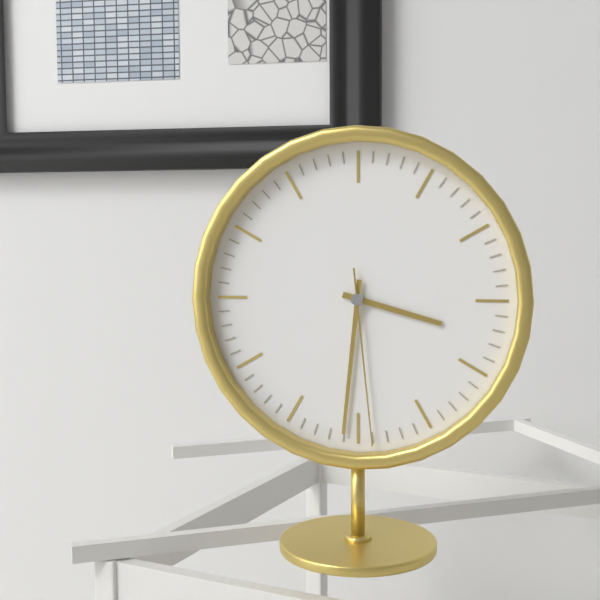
3:31:29
